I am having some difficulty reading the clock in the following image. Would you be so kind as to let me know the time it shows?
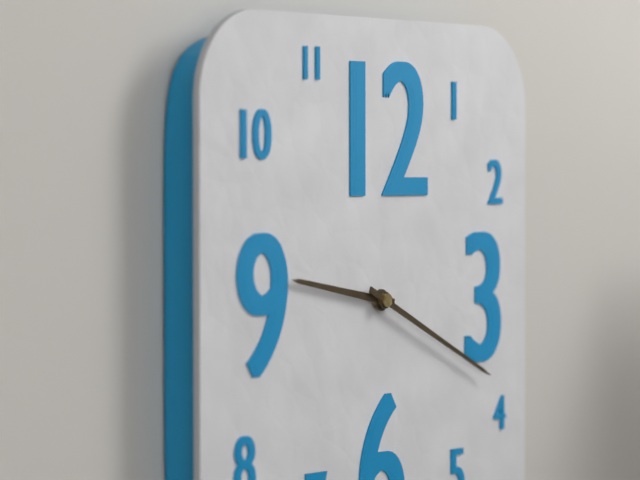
9:19
